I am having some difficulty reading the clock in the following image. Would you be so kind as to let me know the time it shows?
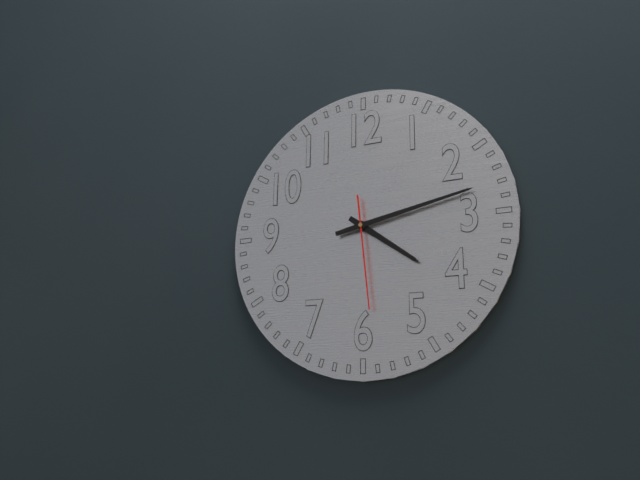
4:13:29
